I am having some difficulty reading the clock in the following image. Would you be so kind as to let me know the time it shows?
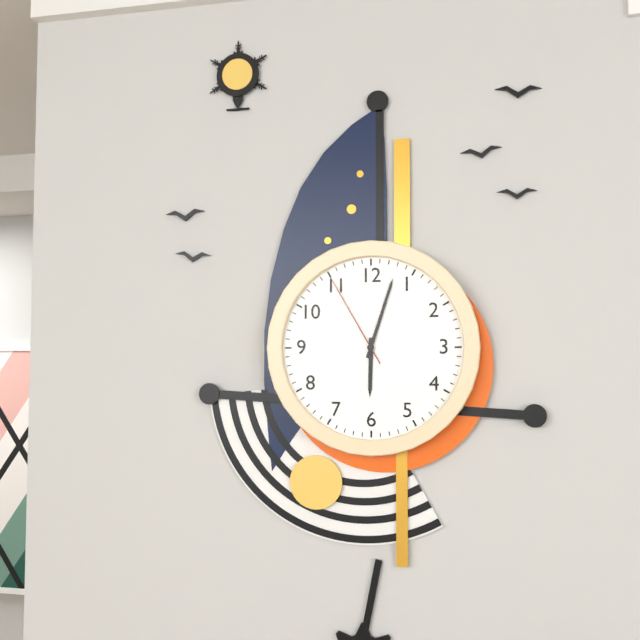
6:03:55
